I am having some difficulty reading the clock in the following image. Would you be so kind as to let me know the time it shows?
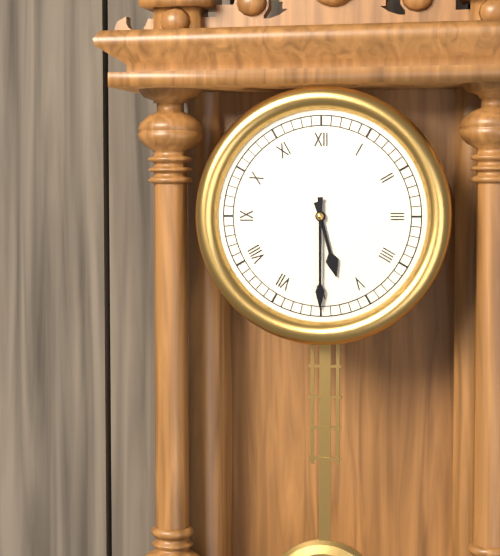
5:30
